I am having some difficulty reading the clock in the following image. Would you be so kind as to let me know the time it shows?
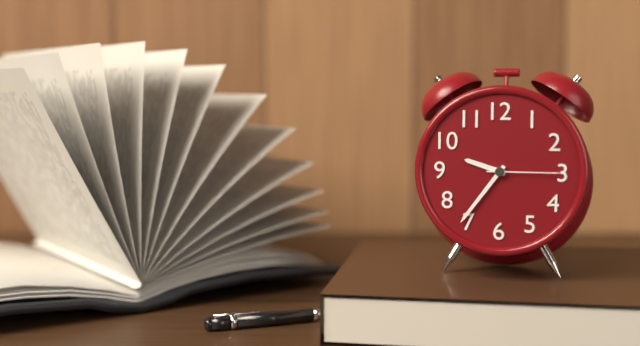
9:36:15
